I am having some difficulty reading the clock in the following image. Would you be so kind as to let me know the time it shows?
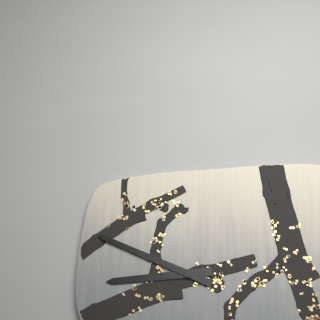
8:49
